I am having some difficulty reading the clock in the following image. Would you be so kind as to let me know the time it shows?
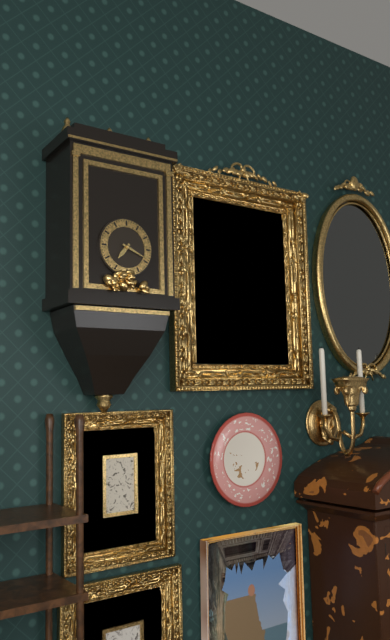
7:19
